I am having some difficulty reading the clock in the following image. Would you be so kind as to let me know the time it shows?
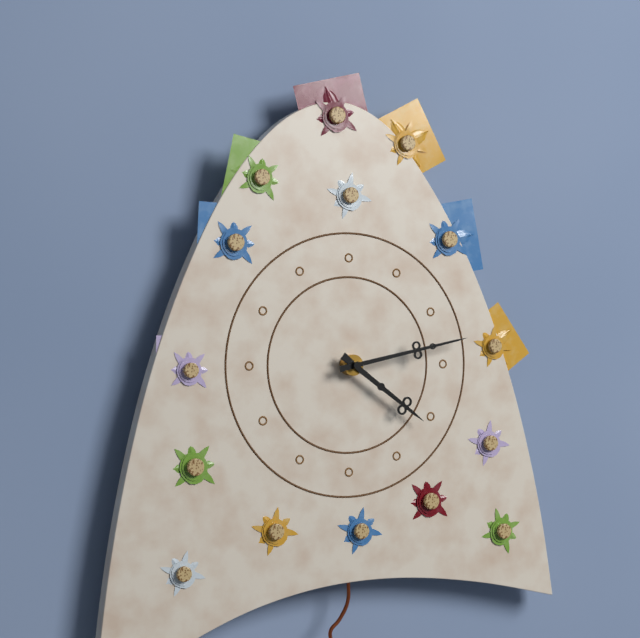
4:13
